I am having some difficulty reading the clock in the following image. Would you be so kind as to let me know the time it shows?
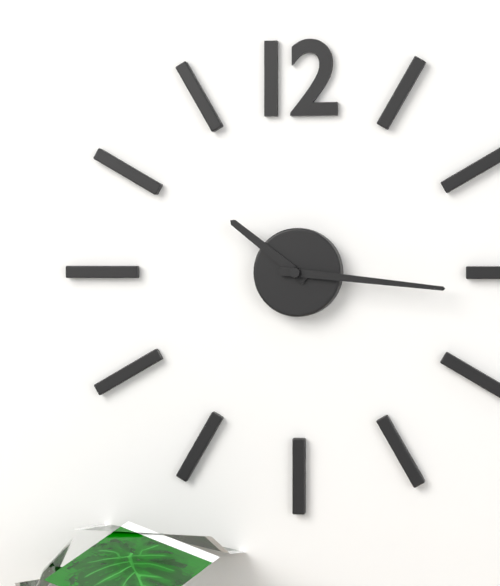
10:16
